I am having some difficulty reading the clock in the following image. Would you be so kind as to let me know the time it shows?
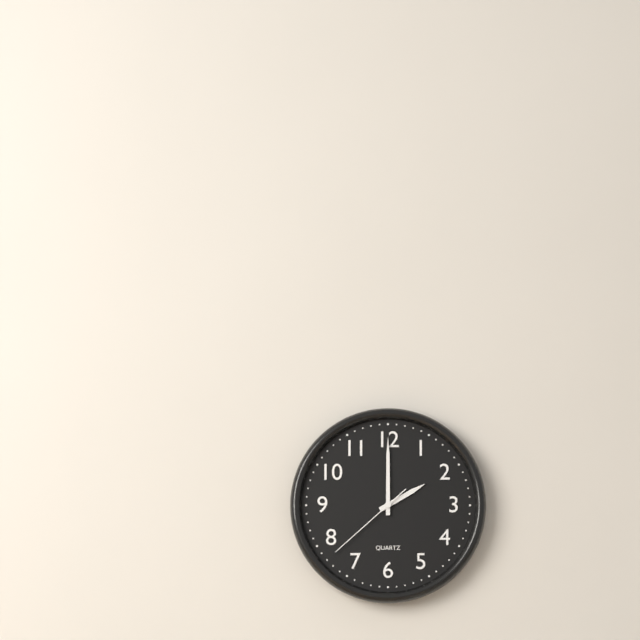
2:00:38
